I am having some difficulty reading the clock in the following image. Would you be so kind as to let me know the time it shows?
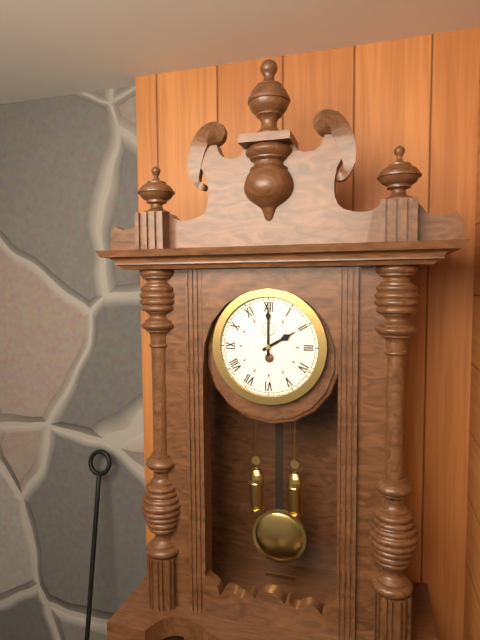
2:00
